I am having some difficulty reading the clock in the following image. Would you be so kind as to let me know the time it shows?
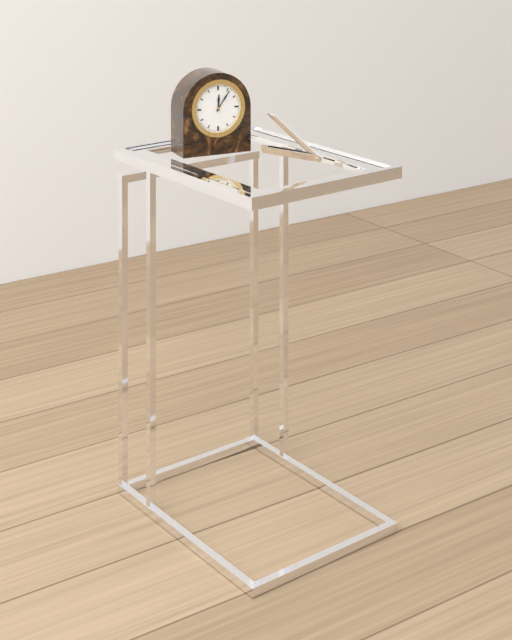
12:06
